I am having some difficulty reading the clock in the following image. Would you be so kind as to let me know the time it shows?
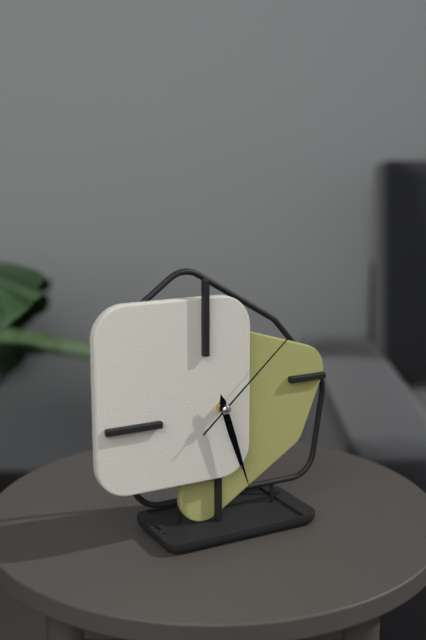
5:27:08
